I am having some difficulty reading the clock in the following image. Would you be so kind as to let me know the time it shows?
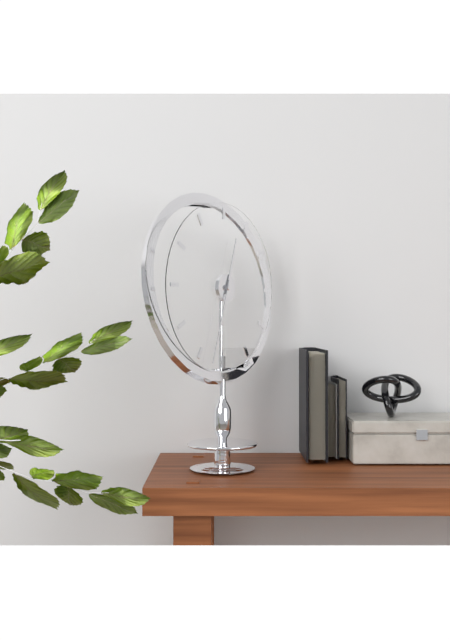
12:33
